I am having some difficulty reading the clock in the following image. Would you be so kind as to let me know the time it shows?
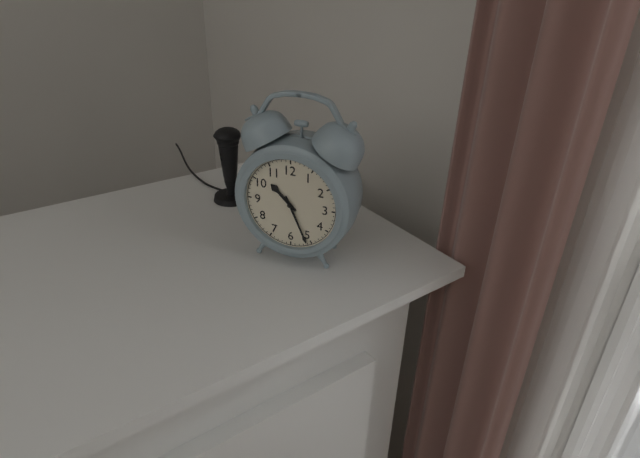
10:26
